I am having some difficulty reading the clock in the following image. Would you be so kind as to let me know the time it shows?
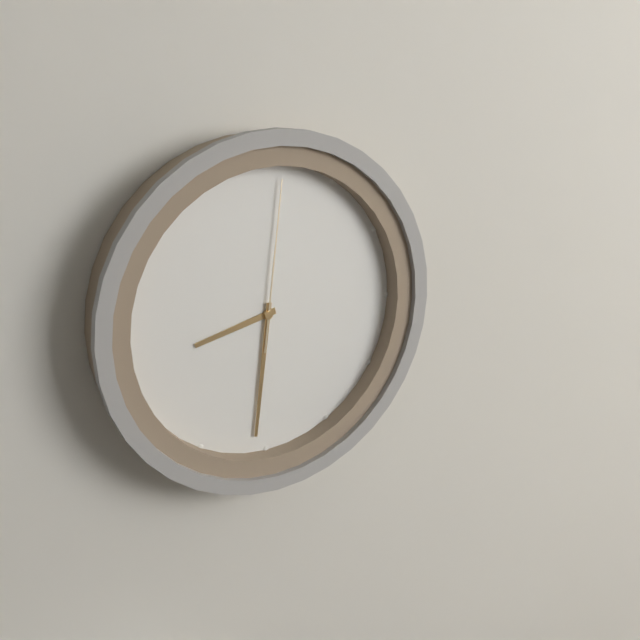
8:31:01
